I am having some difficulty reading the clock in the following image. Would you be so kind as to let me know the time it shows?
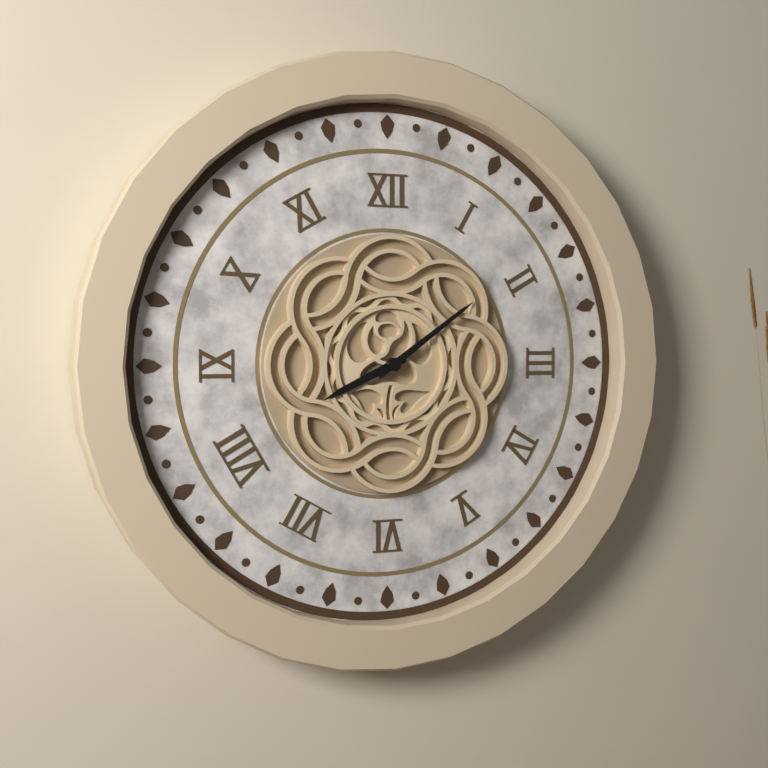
8:09
